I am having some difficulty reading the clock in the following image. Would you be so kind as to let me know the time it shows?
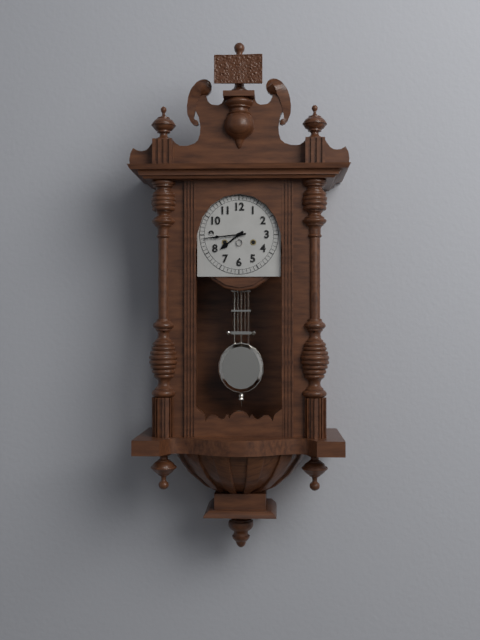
7:44
